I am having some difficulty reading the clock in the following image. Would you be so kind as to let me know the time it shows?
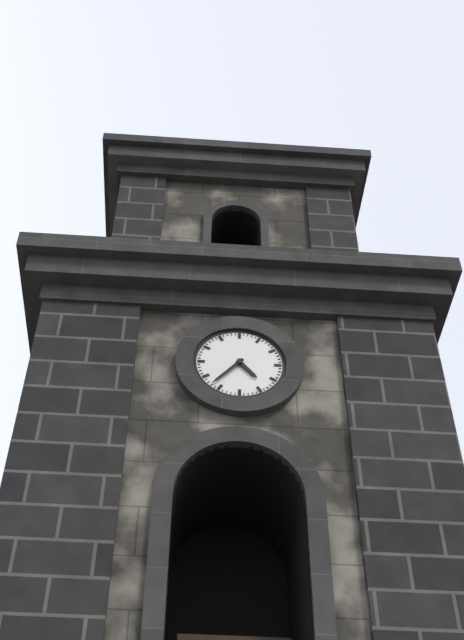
4:37
